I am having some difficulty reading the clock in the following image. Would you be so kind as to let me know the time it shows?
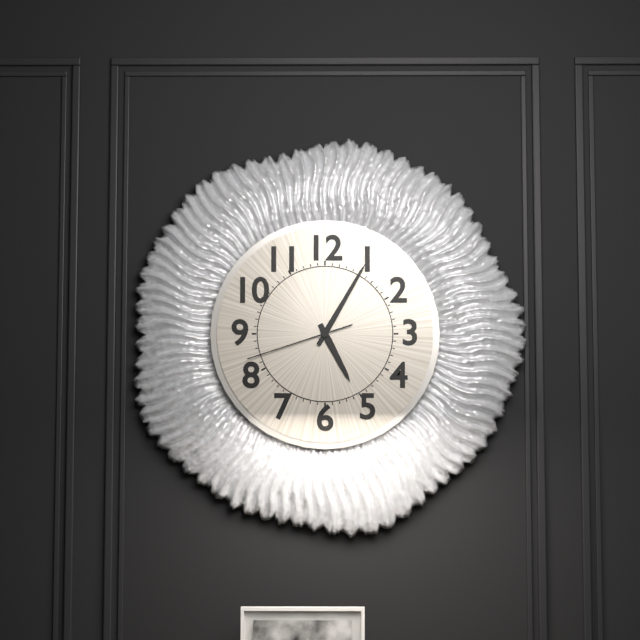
5:05:42
